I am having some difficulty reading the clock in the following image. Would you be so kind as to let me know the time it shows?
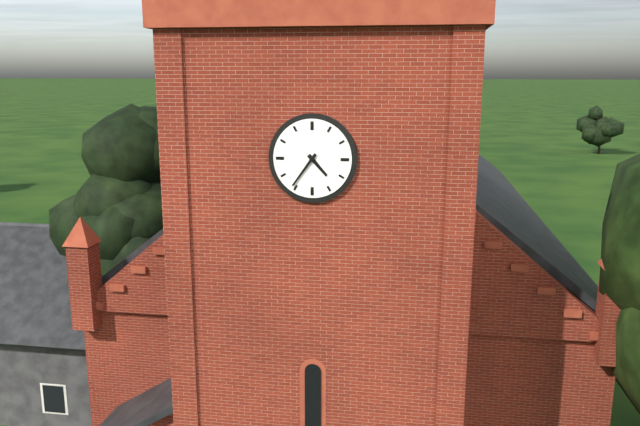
4:36
